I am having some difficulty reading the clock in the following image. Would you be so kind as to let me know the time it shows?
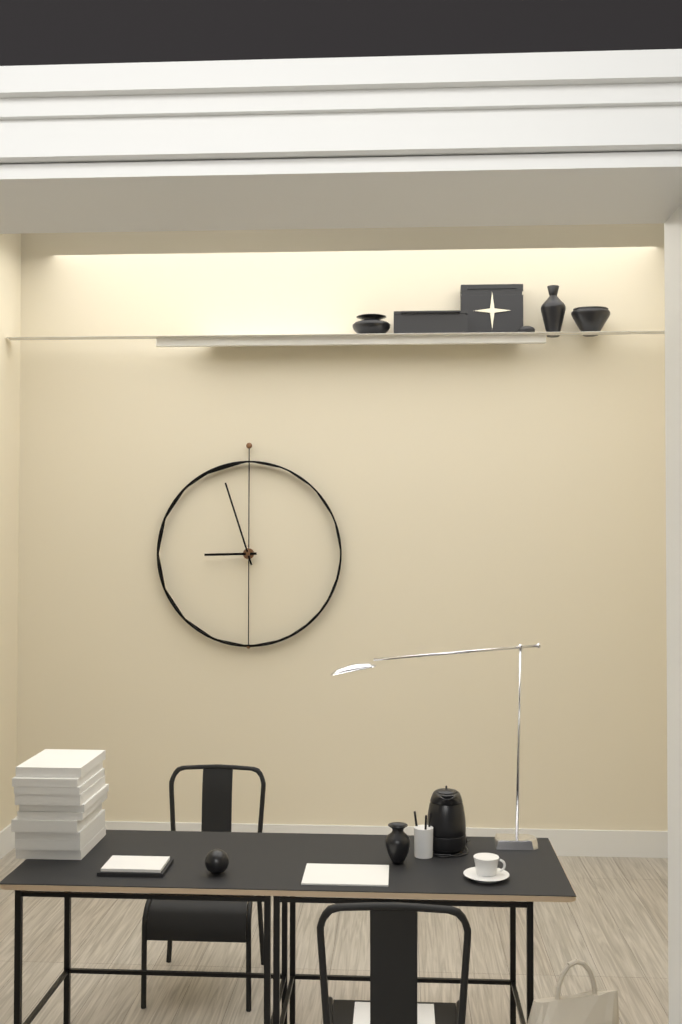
8:57
